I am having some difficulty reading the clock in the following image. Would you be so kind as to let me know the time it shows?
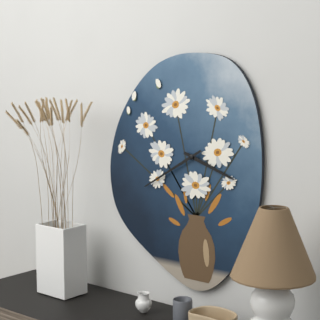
3:40
